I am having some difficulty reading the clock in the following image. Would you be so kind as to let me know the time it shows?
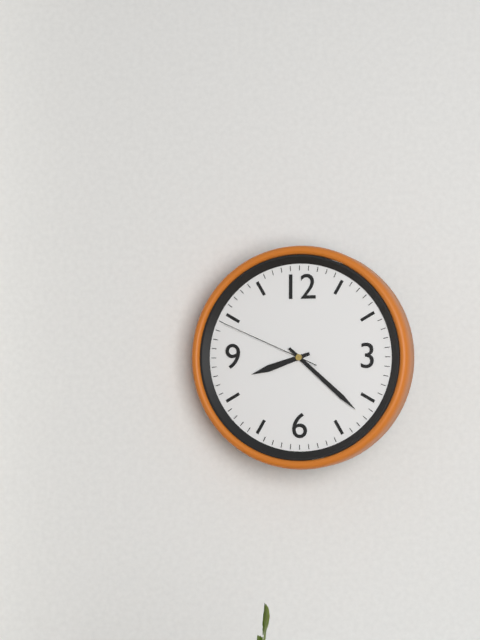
8:22:49
